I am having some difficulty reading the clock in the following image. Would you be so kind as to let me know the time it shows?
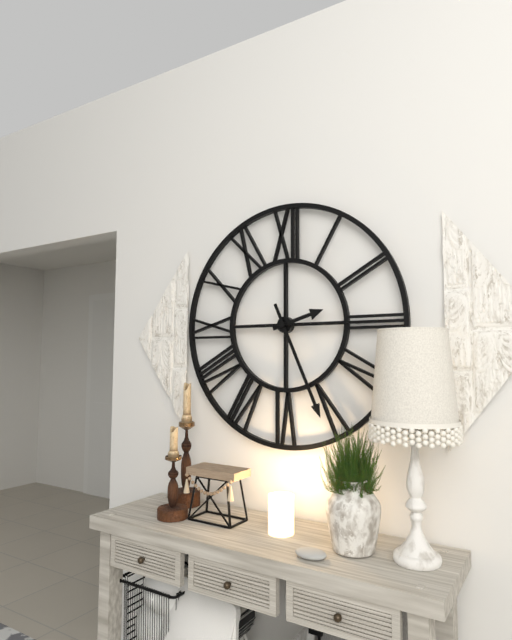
2:26:15
